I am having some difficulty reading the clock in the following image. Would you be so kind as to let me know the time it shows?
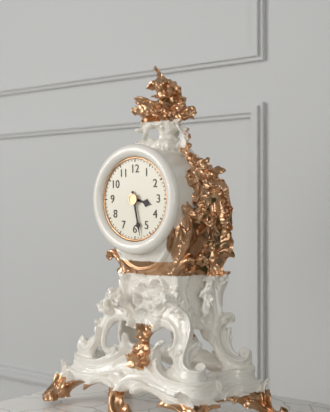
3:28
